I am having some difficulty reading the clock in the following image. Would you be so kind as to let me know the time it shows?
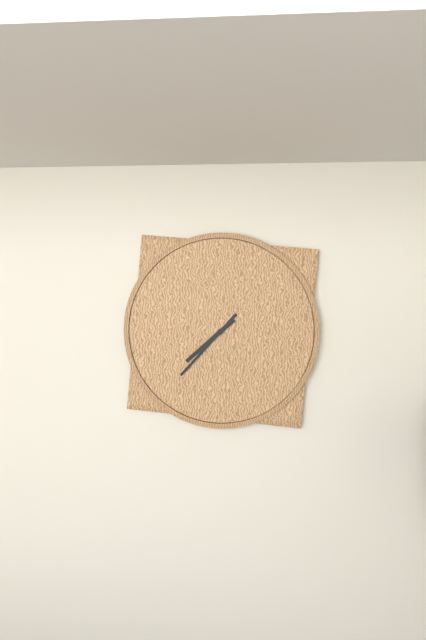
7:37
